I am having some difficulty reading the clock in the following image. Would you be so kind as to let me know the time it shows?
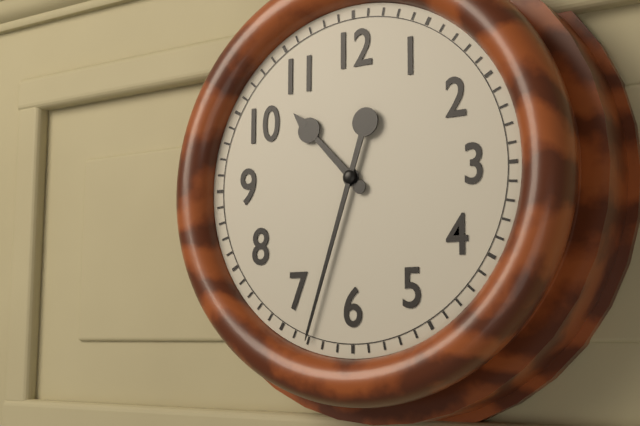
10:33
